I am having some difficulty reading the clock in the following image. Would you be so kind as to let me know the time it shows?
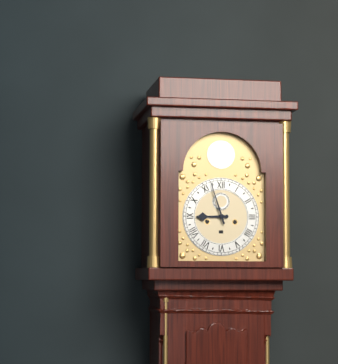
8:57
